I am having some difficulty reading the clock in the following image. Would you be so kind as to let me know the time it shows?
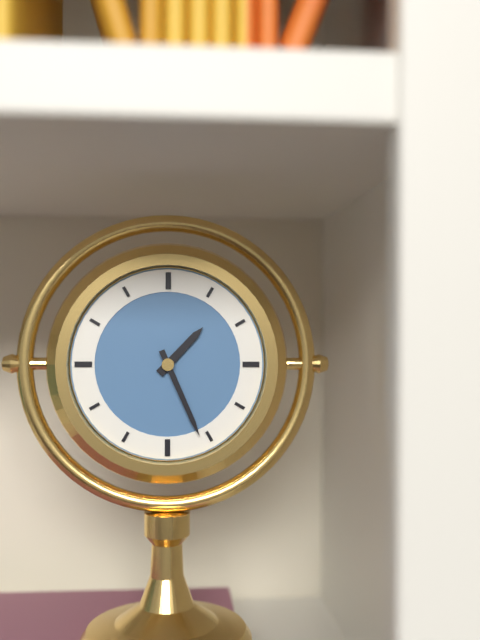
1:26
